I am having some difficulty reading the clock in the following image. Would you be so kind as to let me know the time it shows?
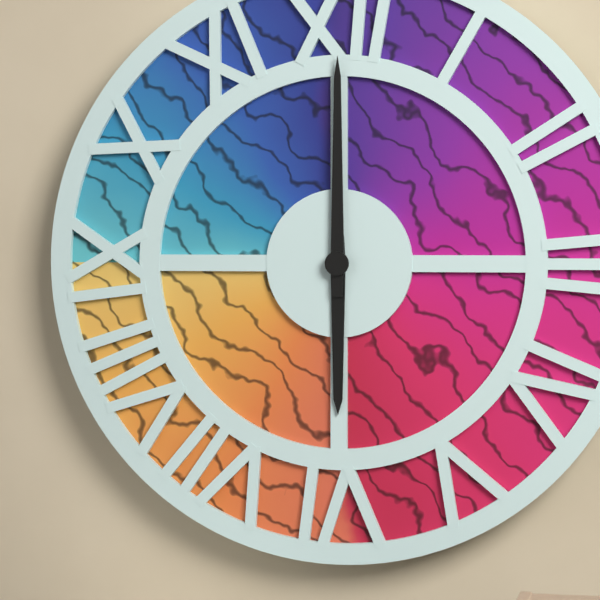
6:00
